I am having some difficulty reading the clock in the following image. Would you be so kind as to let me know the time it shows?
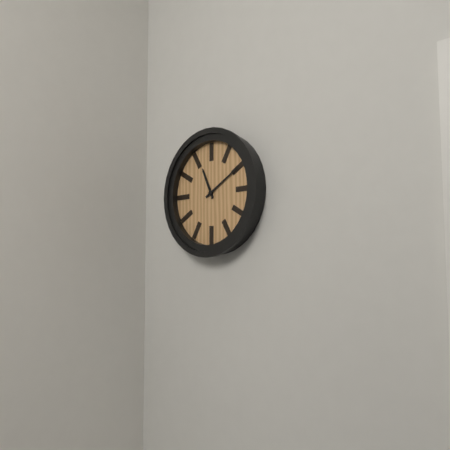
11:10
